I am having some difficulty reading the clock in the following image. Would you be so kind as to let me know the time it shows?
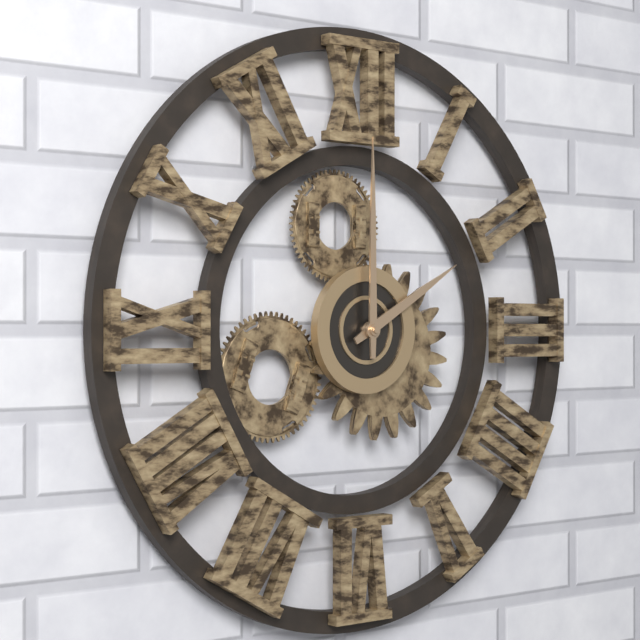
2:00
